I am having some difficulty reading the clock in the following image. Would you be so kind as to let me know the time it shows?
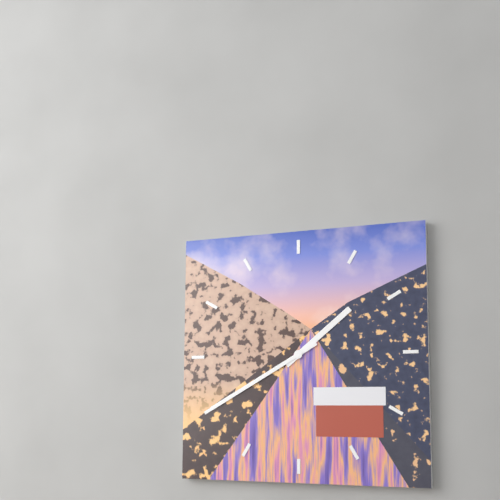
1:40
